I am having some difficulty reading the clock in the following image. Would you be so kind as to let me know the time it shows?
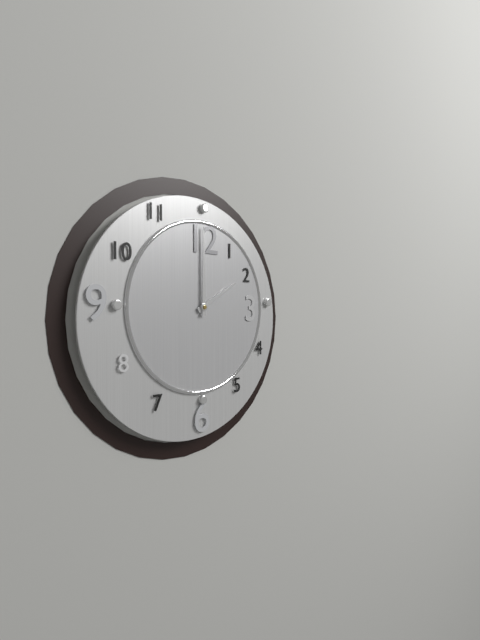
2:00
